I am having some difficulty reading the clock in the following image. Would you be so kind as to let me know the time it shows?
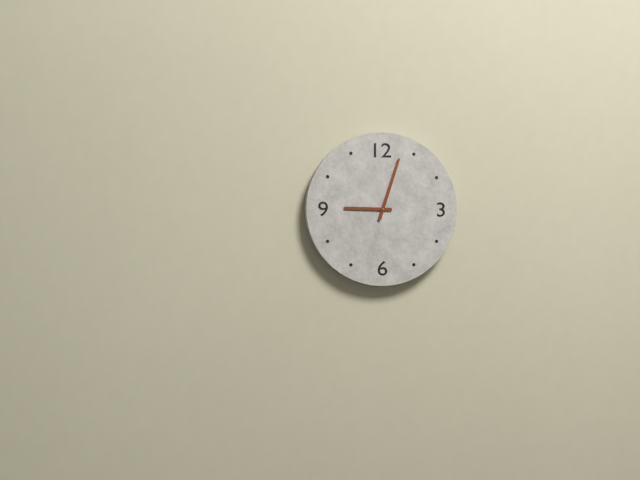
9:03
